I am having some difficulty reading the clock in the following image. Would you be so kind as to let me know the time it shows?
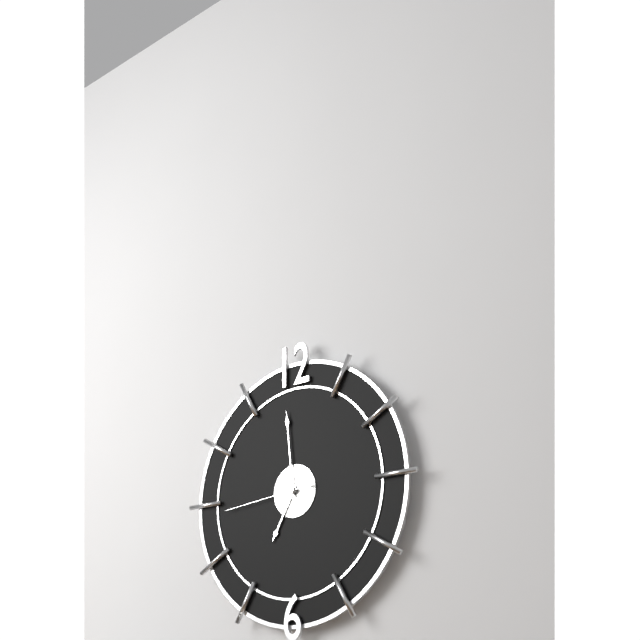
6:59:44
